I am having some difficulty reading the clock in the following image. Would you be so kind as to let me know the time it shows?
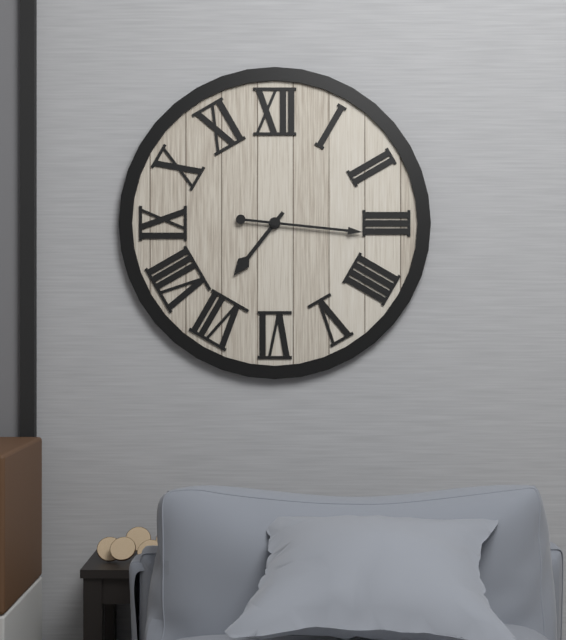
7:16
